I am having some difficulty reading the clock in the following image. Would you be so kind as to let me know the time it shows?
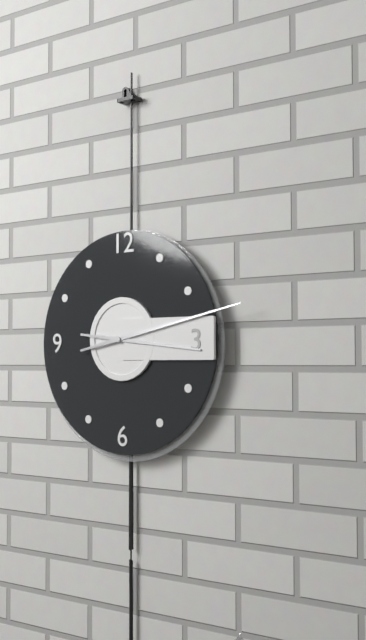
3:13
